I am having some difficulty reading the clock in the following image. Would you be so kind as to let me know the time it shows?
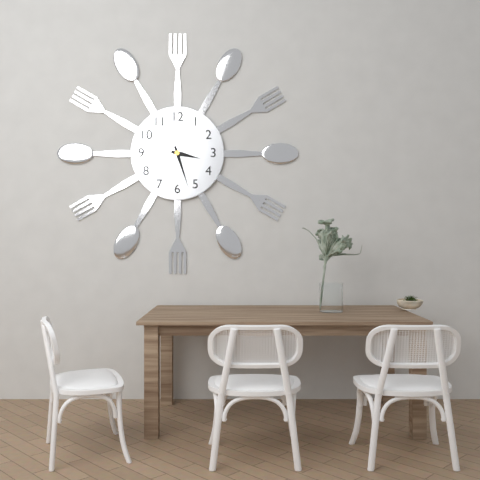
3:27
